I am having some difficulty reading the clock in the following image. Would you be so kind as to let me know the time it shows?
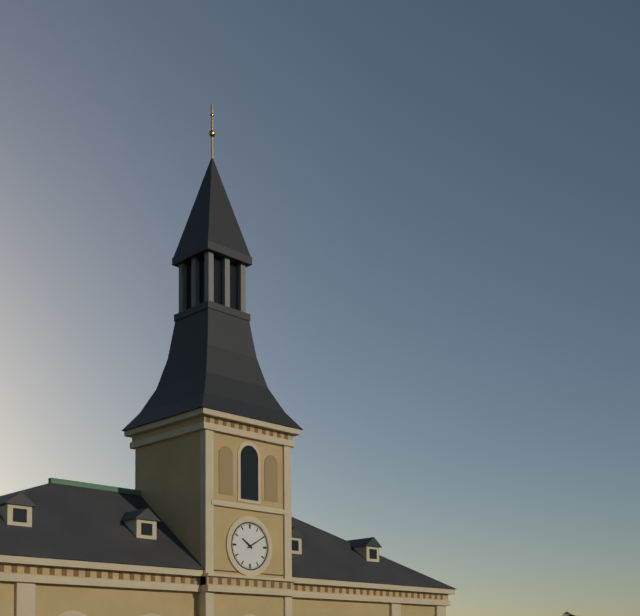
10:10
